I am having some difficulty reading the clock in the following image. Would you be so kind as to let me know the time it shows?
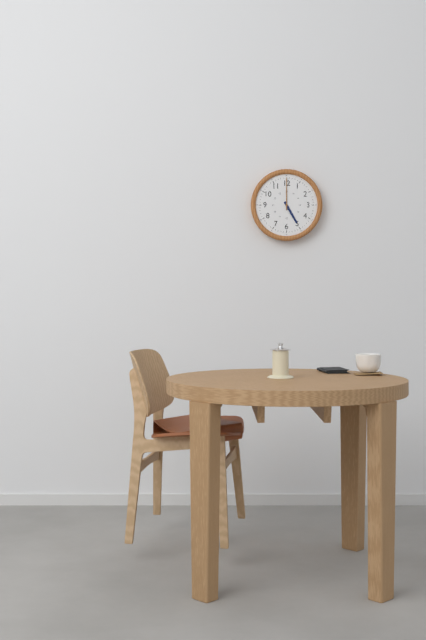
5:00
